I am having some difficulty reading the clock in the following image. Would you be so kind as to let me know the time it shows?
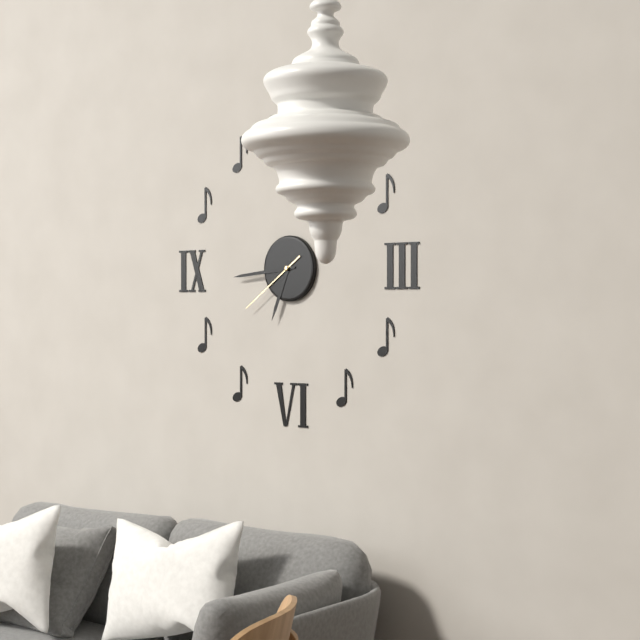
6:44:39
